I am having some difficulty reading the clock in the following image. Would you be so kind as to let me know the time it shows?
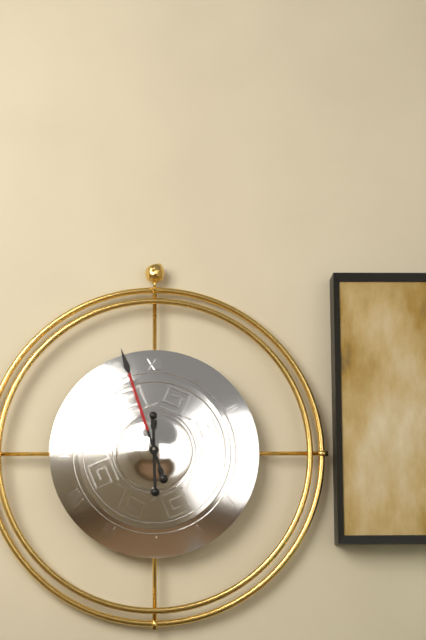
5:57
